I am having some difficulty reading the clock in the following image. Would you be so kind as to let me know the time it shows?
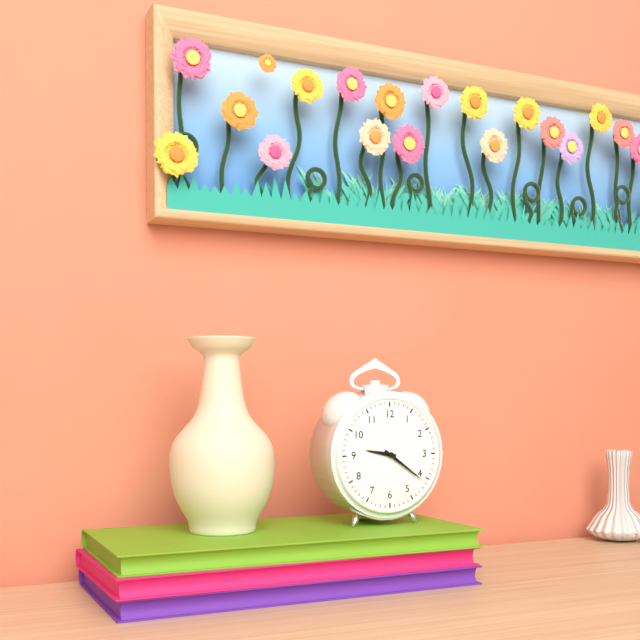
9:21
